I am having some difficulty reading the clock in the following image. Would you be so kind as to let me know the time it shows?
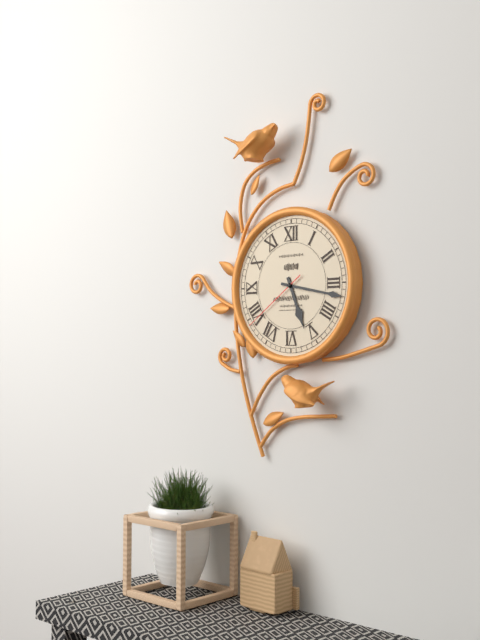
5:17:39
